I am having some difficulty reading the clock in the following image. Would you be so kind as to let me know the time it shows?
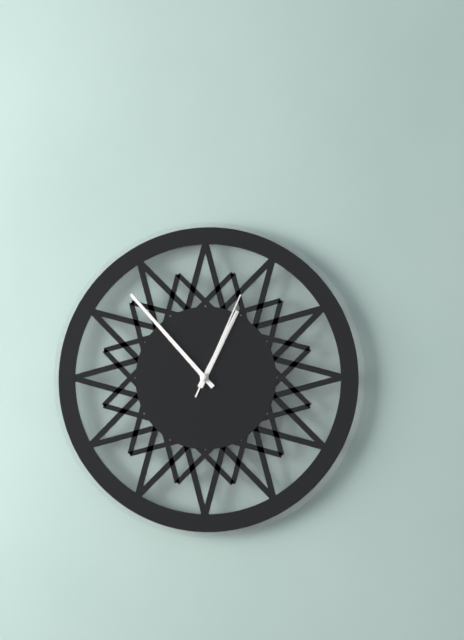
12:53:04
